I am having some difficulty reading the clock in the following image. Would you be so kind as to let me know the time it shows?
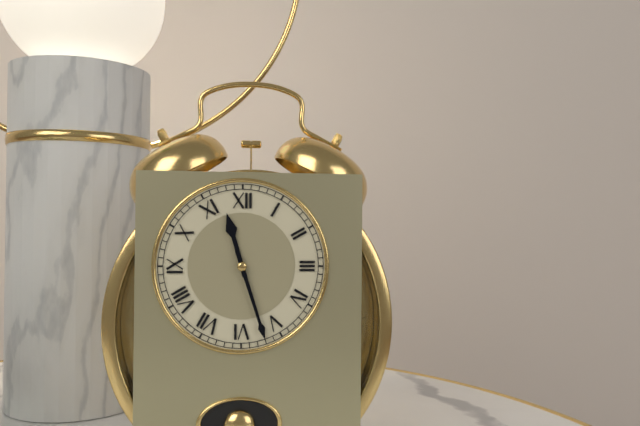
11:27
